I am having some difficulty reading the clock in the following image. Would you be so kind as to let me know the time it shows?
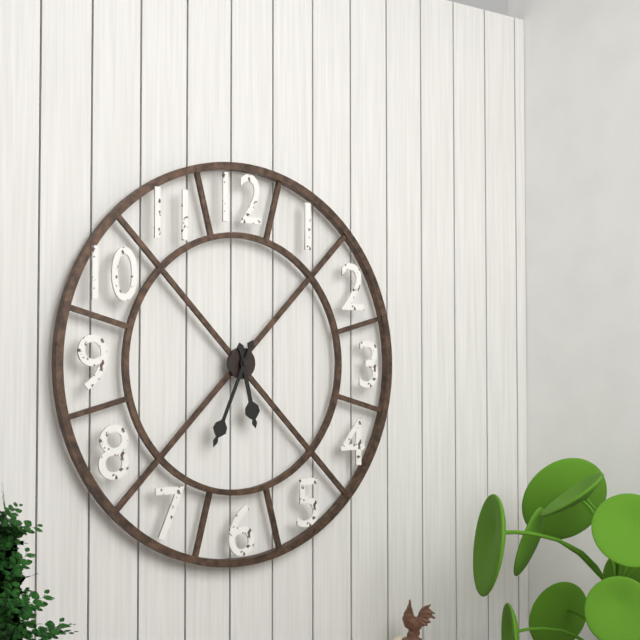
5:34
